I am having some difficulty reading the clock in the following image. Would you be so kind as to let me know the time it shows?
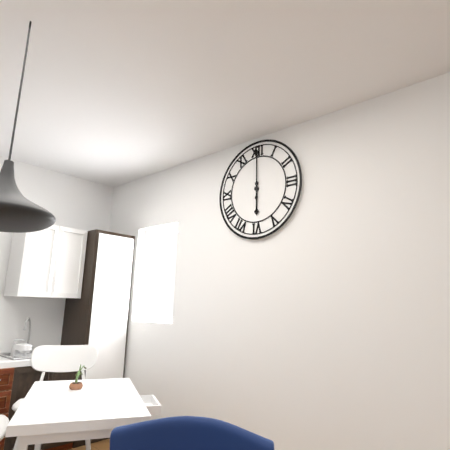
6:00
